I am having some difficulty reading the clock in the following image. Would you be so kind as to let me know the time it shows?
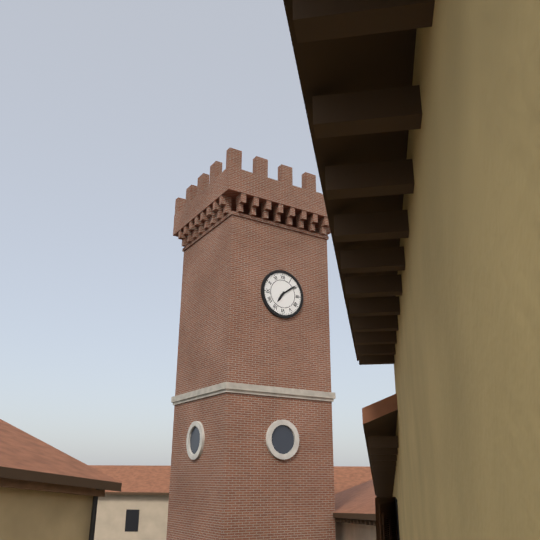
7:09
